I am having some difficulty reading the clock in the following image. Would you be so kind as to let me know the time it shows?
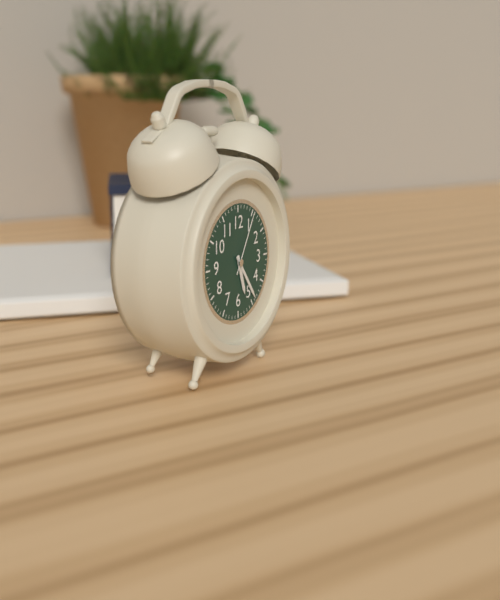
5:24:05
